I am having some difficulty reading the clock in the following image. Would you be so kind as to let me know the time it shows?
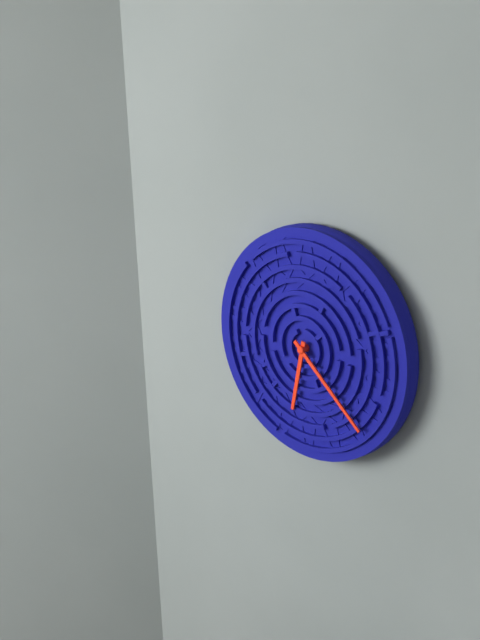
6:22
